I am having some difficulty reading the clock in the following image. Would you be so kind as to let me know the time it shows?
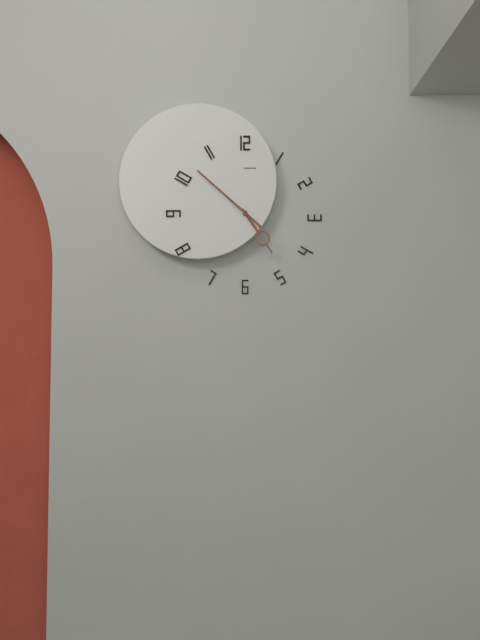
4:52
